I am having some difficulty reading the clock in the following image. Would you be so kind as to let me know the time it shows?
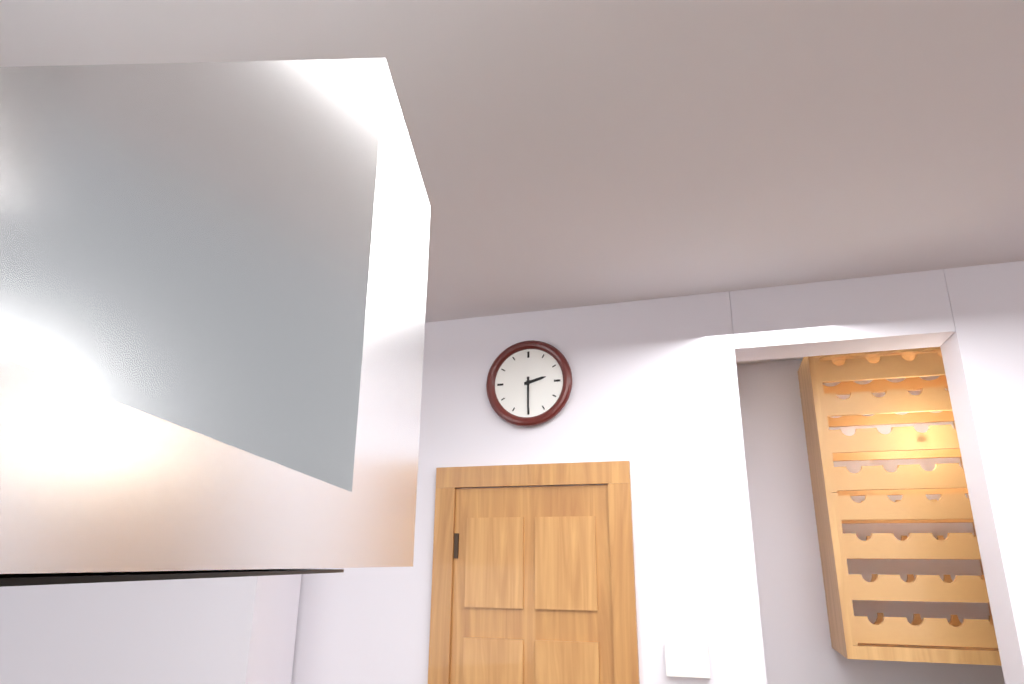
2:30
